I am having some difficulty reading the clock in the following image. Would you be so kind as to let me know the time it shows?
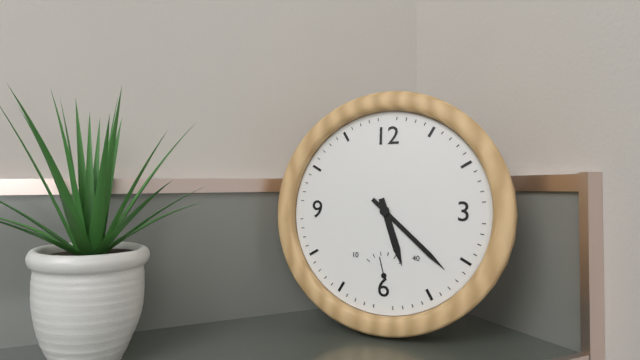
5:22
